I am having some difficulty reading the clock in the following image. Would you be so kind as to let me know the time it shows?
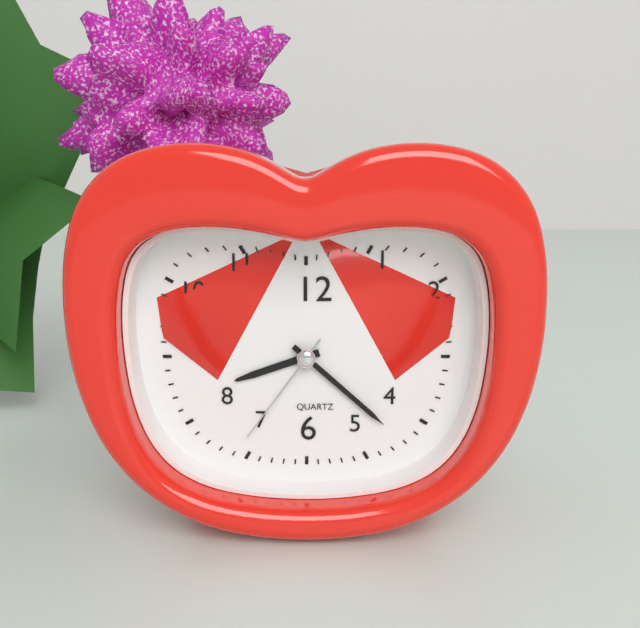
8:22:36
